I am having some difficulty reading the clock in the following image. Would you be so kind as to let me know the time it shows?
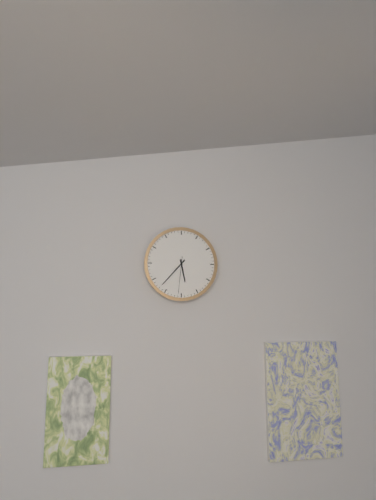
5:37
